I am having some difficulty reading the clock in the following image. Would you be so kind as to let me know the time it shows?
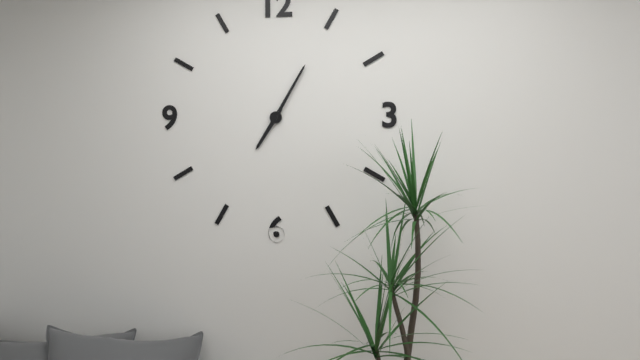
7:05
